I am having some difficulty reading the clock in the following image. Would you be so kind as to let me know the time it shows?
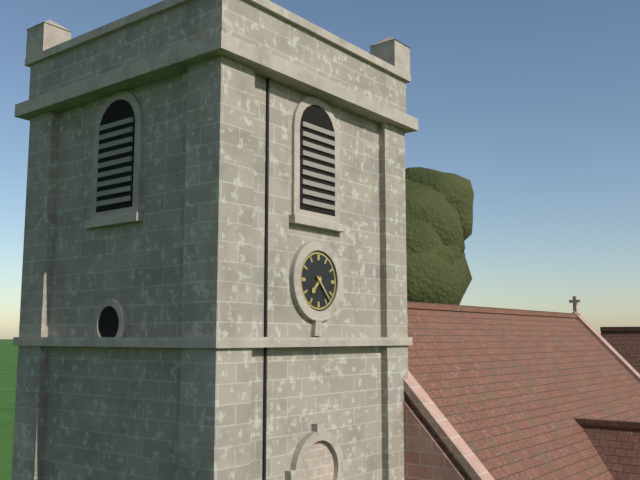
7:23
